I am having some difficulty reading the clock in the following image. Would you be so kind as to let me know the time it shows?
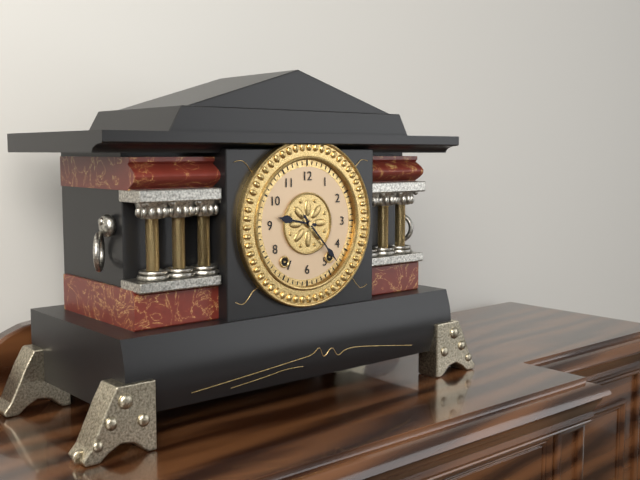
9:23
